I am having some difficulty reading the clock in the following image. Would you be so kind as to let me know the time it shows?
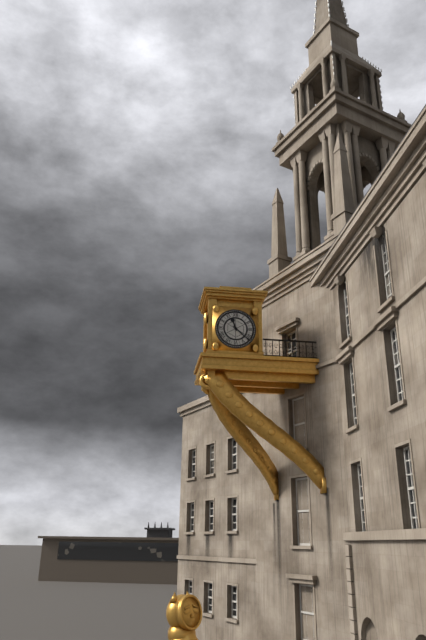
11:22
